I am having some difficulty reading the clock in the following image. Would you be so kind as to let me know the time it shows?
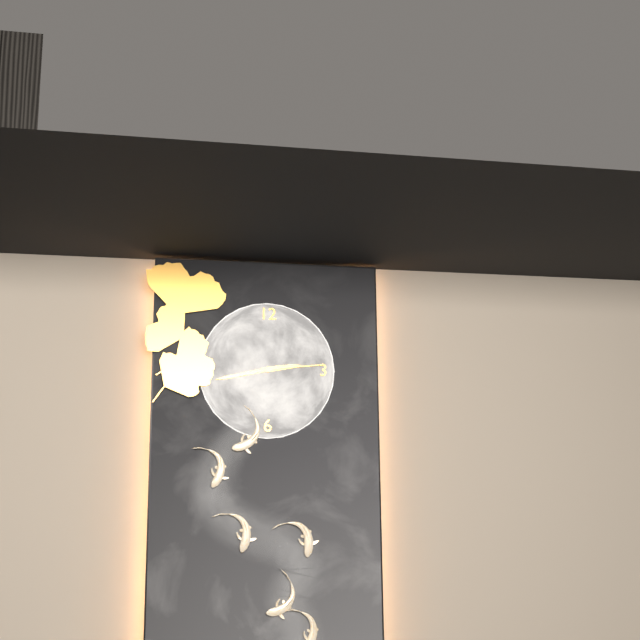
2:43:14
